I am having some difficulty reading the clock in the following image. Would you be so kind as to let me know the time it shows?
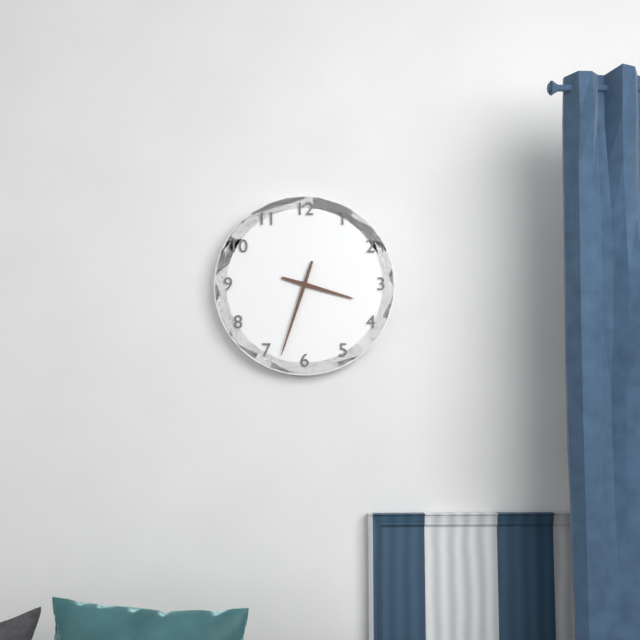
3:33
